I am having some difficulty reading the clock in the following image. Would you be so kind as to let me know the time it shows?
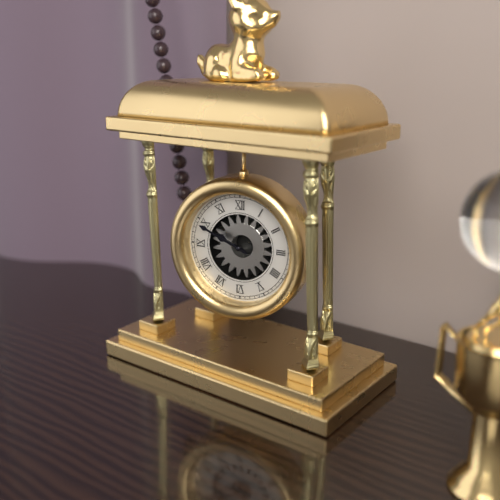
9:49
